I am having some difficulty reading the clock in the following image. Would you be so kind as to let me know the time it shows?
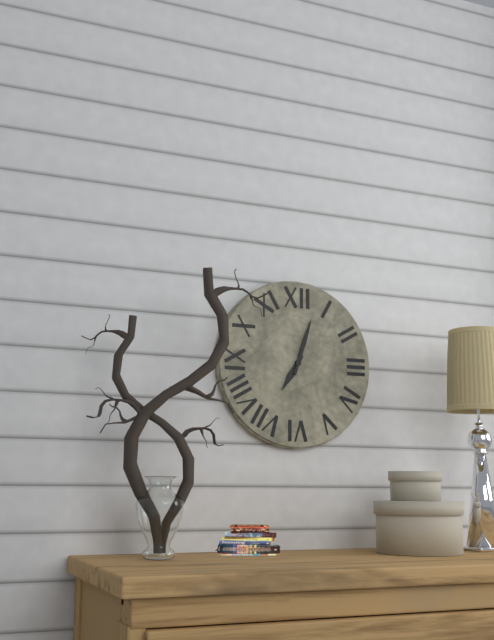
7:03
